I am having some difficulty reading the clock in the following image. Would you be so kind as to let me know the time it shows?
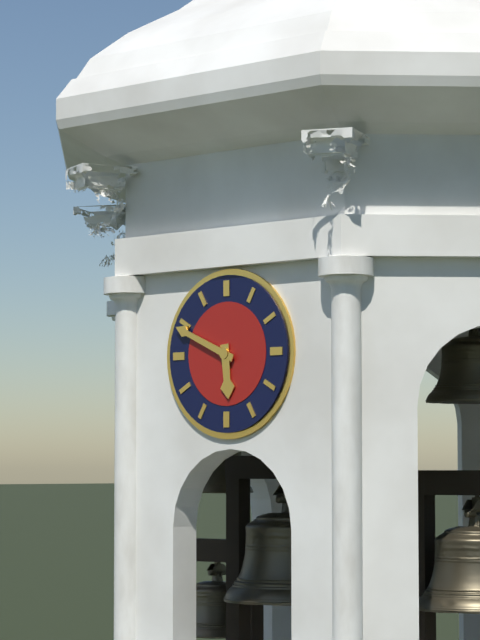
5:49
